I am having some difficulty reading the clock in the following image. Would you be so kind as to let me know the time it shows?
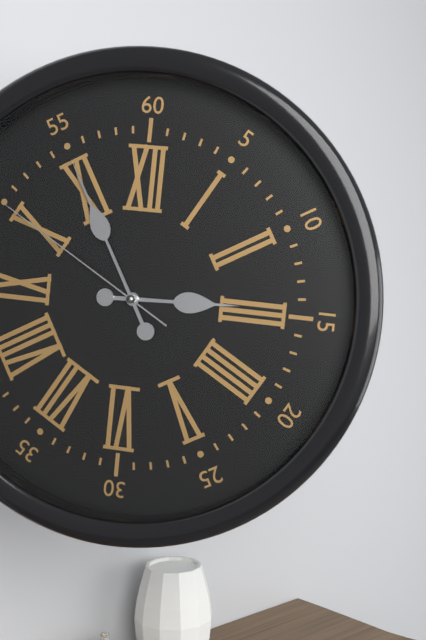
2:55:50
